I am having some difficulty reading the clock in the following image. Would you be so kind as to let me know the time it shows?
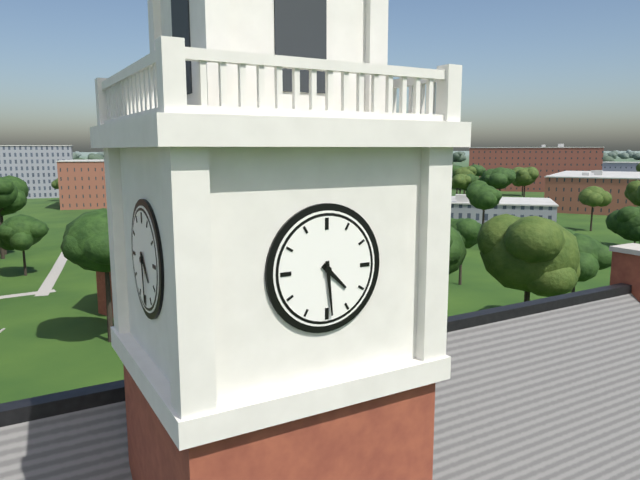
4:29
